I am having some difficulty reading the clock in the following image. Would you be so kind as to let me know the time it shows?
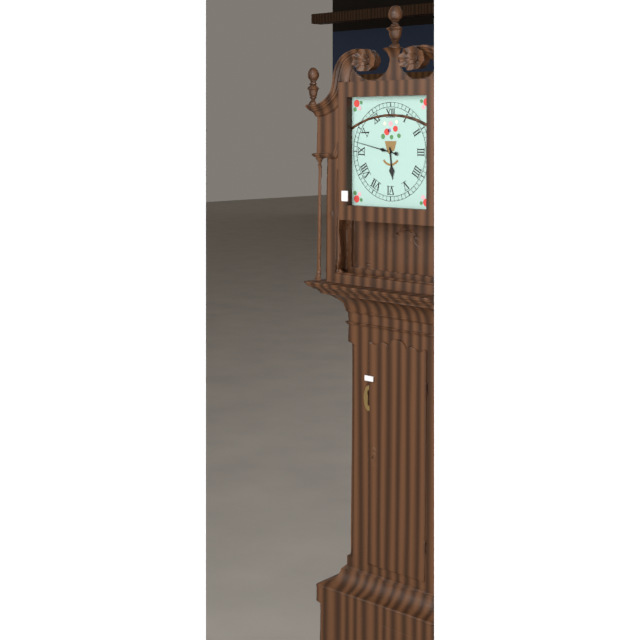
5:47
